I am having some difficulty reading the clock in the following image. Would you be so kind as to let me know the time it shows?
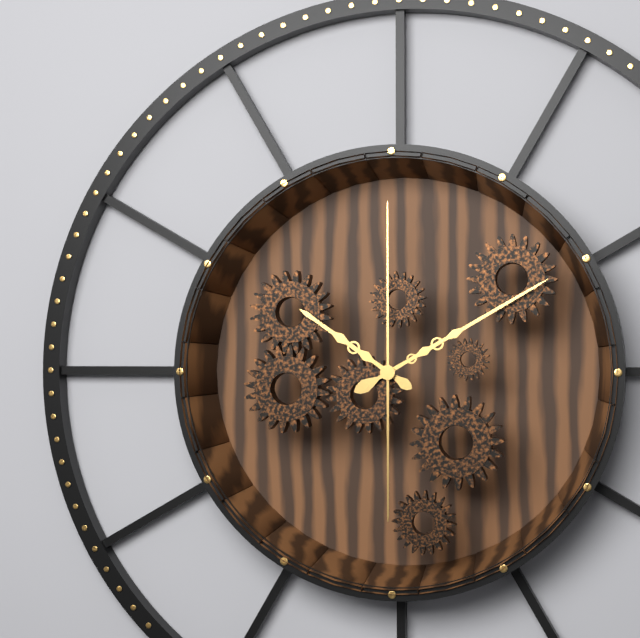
10:10:00
